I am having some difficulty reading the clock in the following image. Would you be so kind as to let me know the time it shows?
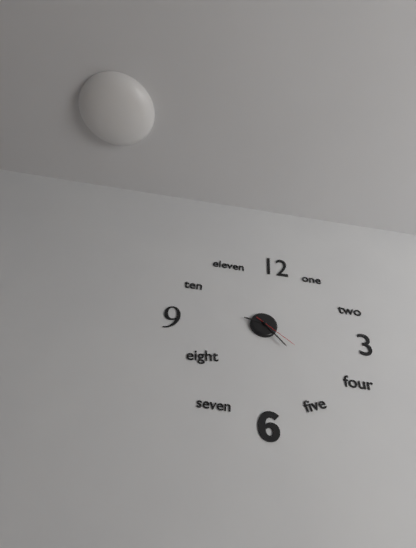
9:23
